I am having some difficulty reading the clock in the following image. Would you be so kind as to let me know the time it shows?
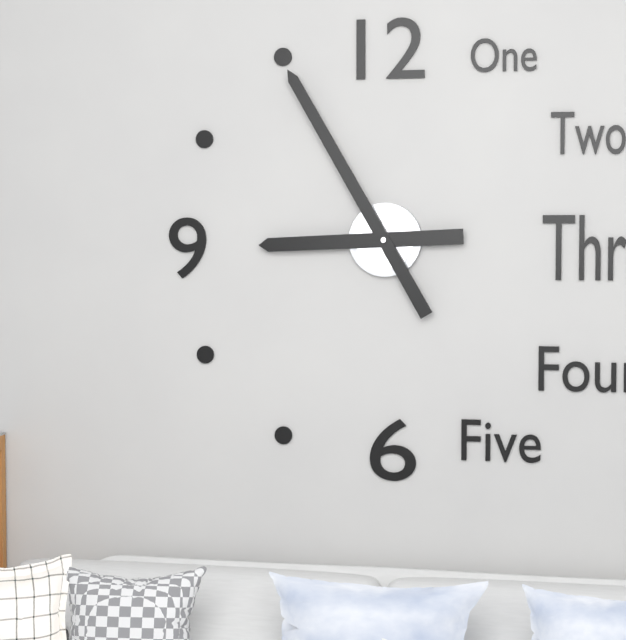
8:55
